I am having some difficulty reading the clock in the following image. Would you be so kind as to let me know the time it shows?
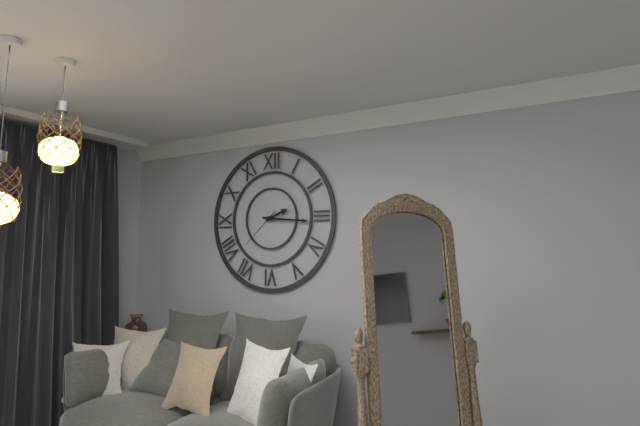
2:16
